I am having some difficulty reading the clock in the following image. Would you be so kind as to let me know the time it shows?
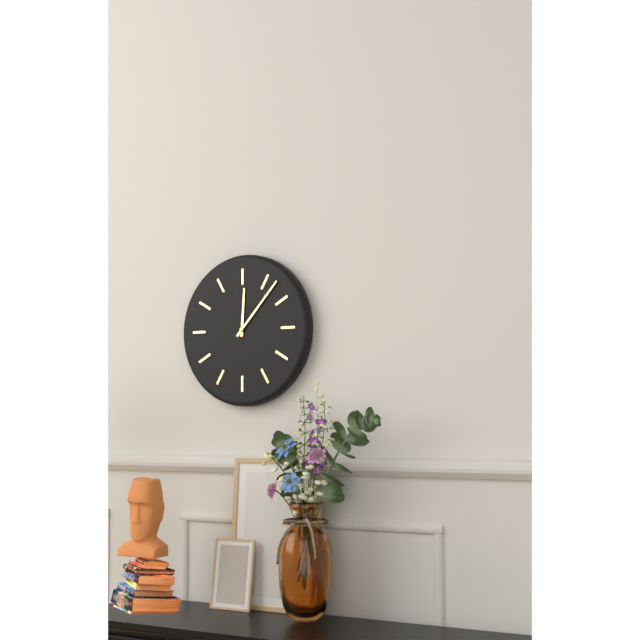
12:07
